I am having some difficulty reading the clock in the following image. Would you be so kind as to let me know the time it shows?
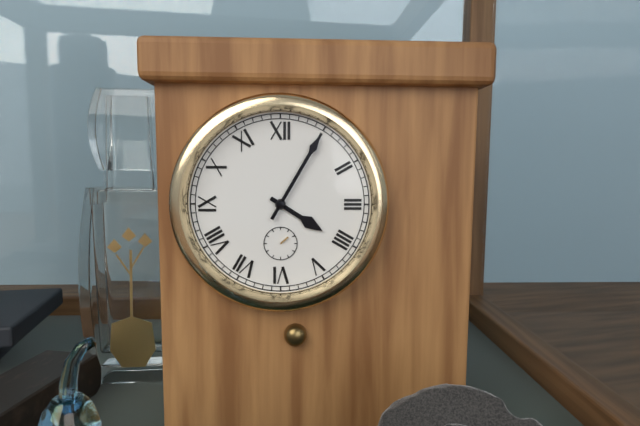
4:05
